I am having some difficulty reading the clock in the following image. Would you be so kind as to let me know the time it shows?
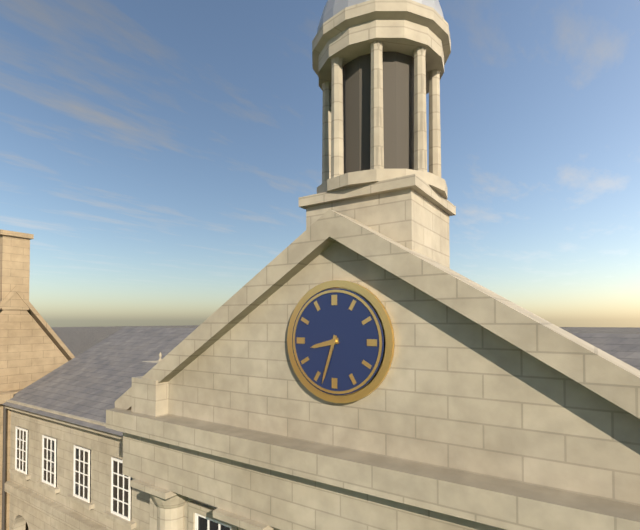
8:33
